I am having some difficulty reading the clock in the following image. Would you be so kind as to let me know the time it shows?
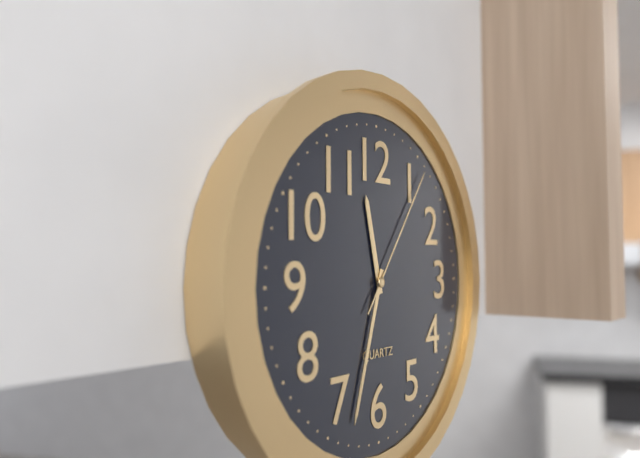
11:33:06
